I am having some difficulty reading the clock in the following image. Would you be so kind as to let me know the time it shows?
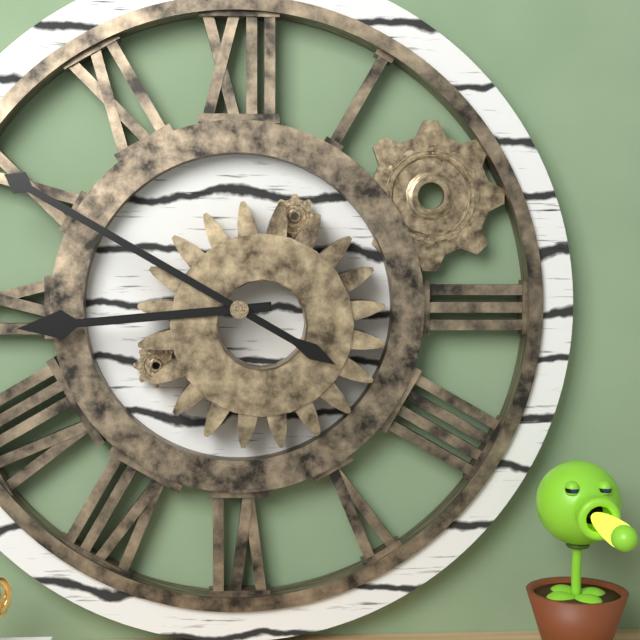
8:50
